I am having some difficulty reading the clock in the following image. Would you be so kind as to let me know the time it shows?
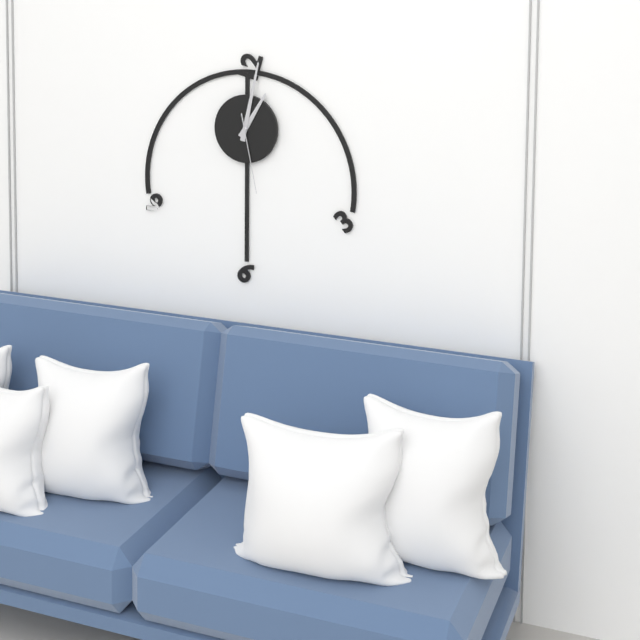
1:02:28
